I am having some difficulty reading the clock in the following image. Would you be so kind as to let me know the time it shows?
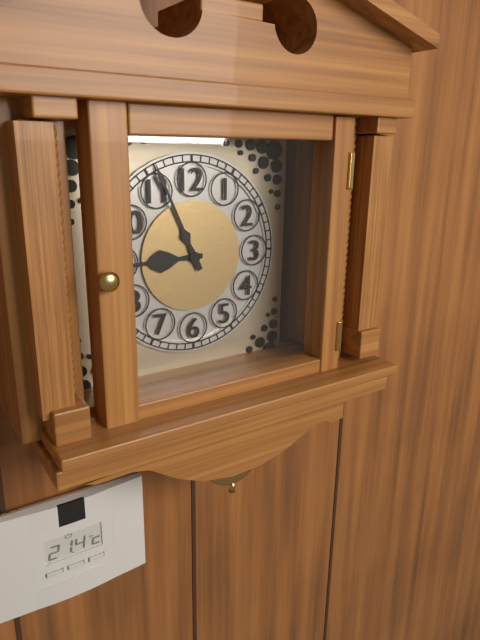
8:56
